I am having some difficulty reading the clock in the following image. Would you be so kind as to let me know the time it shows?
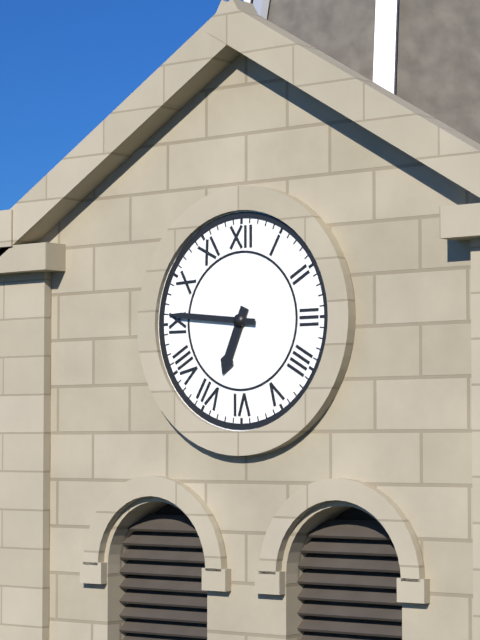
6:46
